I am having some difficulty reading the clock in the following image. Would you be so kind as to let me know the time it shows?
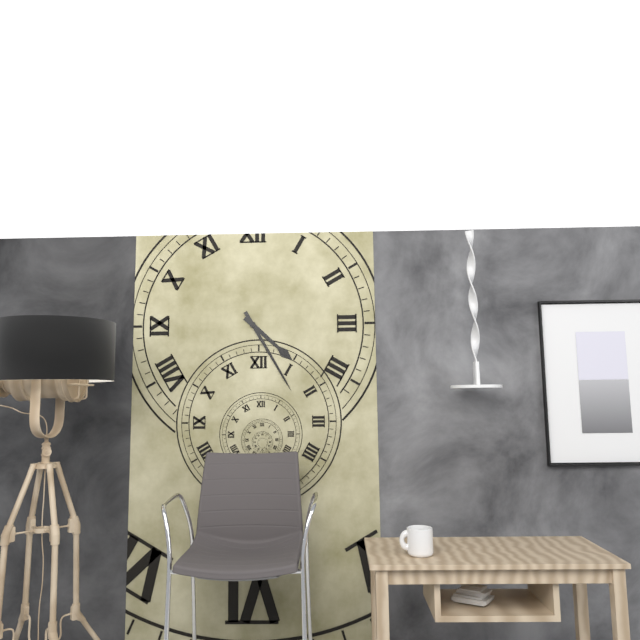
4:25
